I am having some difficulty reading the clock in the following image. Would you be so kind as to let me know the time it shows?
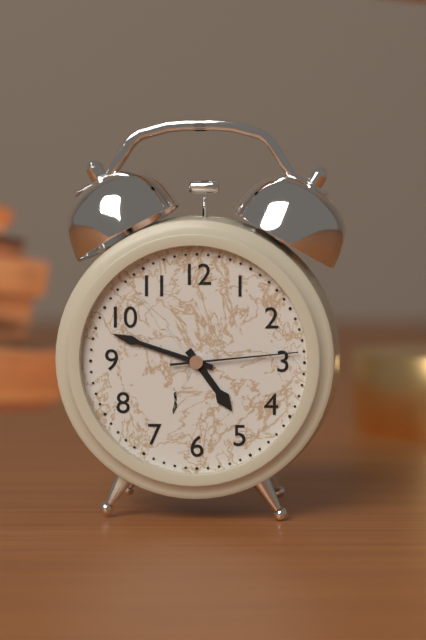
4:48:14
